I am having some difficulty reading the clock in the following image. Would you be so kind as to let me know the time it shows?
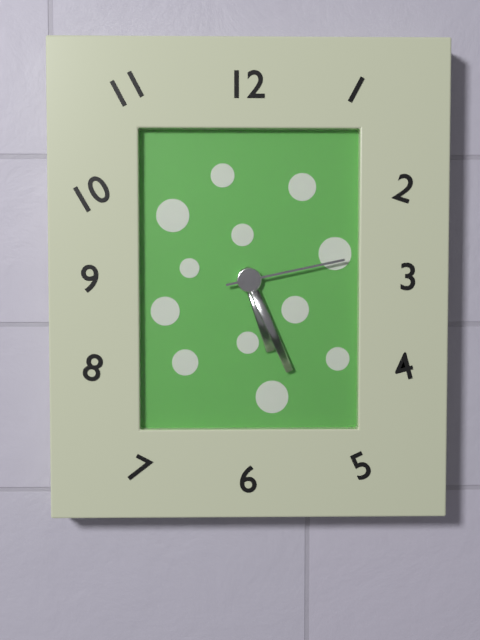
5:26:13
